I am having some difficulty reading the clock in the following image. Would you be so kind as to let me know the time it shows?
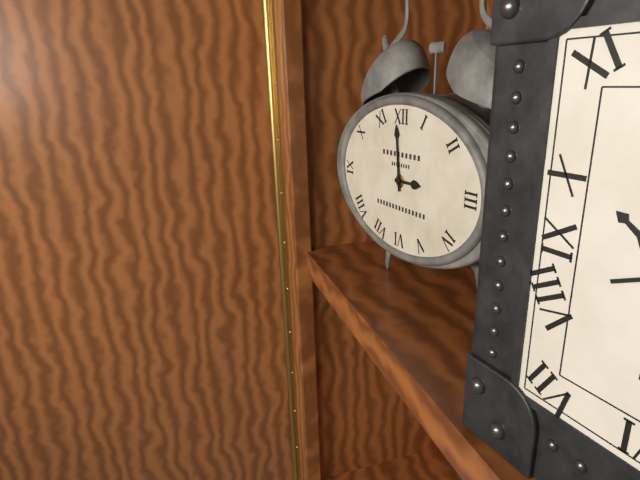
2:59
